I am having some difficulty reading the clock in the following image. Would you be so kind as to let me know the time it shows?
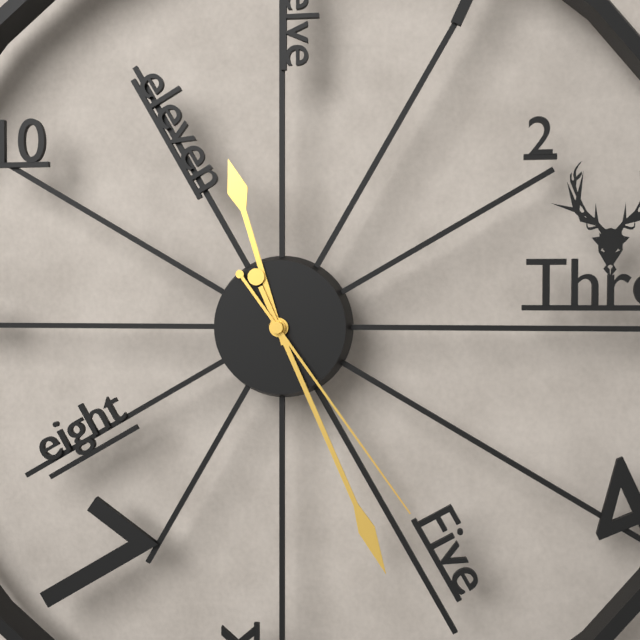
11:26:24
